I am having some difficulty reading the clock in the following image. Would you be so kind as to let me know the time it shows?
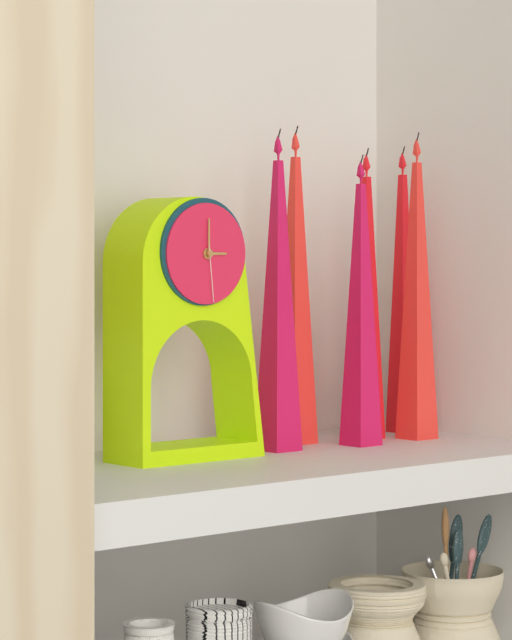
3:00:29
